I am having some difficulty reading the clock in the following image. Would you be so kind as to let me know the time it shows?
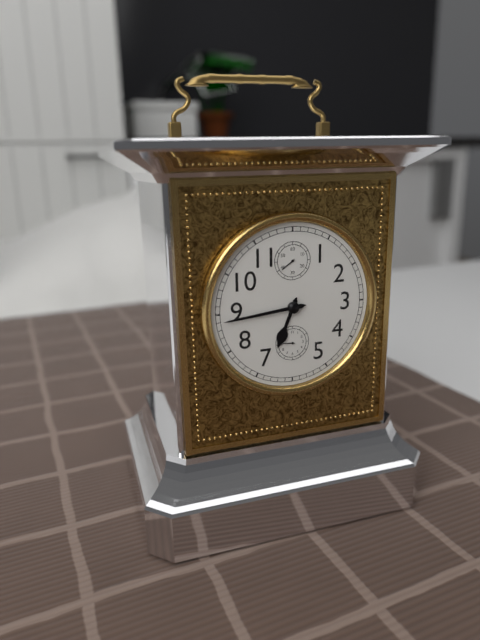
6:44
